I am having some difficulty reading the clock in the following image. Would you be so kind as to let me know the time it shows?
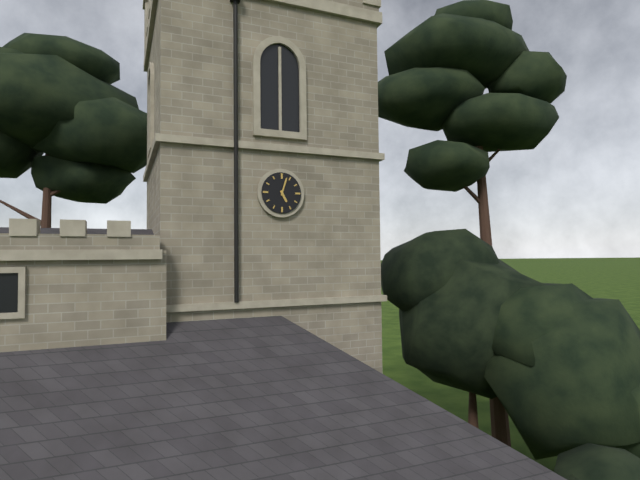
5:03
